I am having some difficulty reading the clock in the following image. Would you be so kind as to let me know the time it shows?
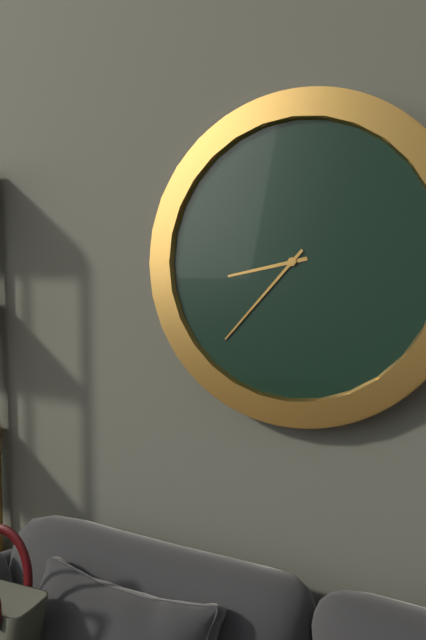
8:37
